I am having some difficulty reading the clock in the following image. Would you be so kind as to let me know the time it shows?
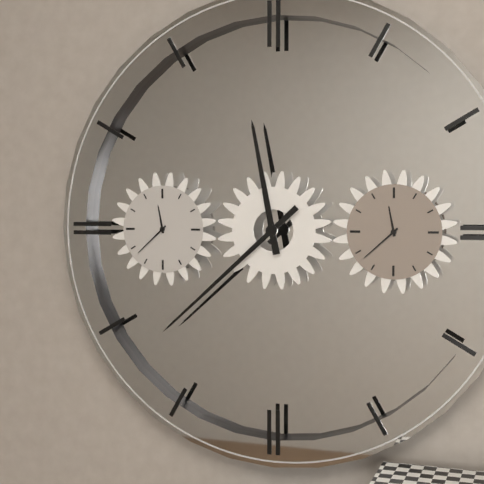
11:38
